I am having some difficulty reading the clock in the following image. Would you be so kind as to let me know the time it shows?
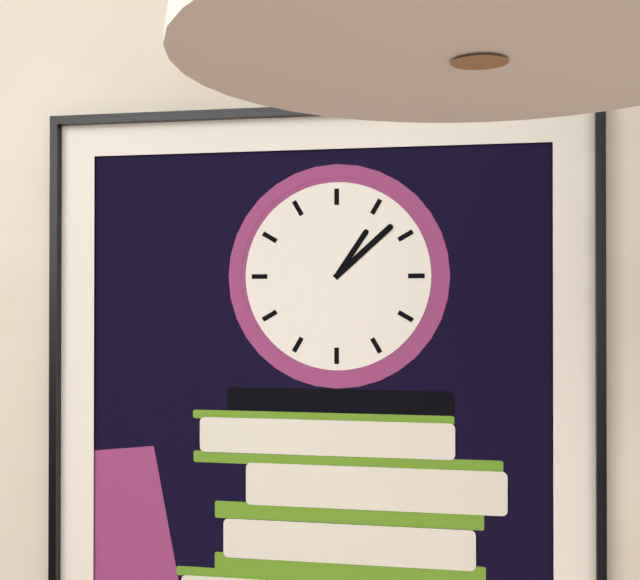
1:08
